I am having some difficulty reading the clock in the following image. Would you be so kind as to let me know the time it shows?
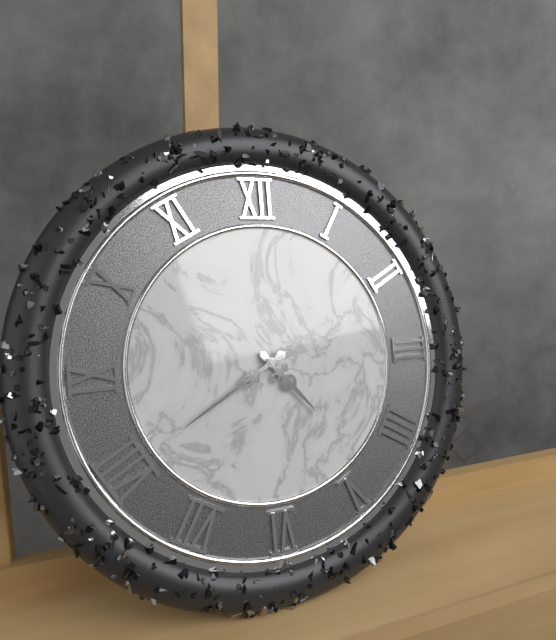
4:40
